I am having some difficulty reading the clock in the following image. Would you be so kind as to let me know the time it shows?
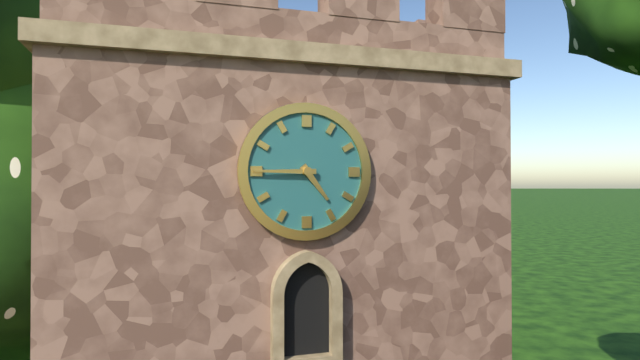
4:45
